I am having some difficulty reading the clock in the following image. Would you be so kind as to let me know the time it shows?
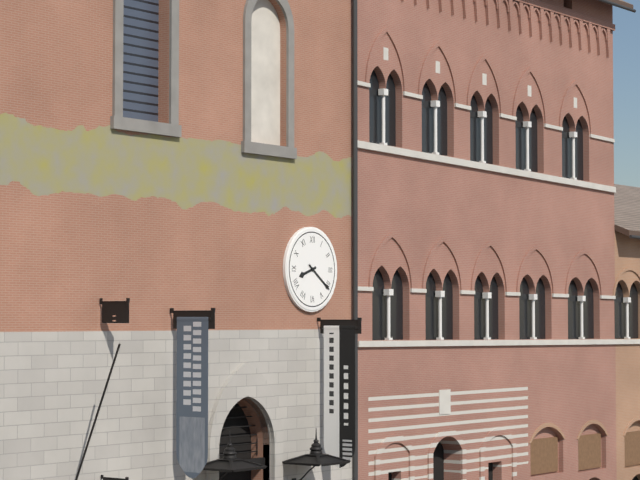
8:21
